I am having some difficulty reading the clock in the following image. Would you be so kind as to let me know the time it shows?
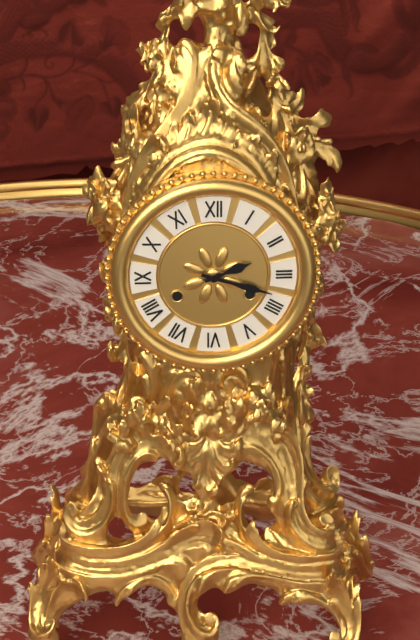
2:18
